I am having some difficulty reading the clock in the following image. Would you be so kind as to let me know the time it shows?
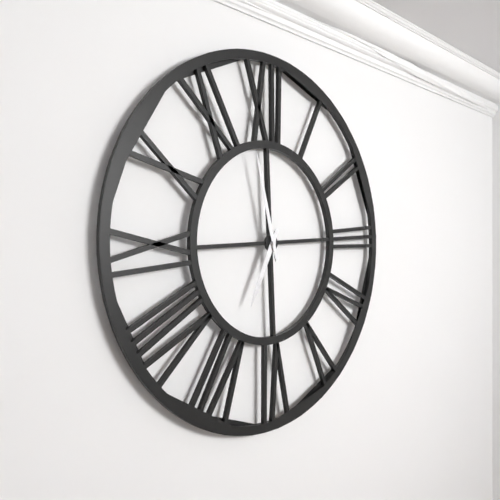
6:58
